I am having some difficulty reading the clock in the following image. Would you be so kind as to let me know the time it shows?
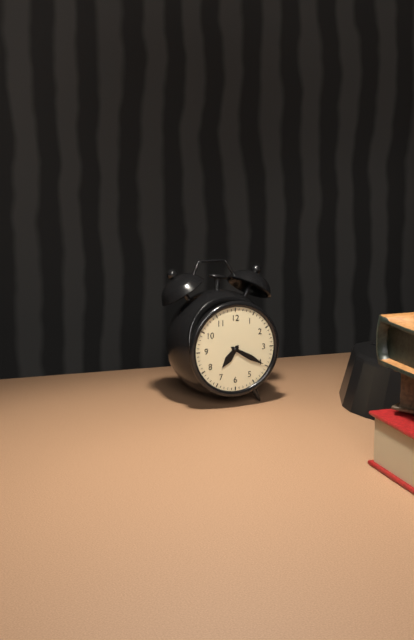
7:20
